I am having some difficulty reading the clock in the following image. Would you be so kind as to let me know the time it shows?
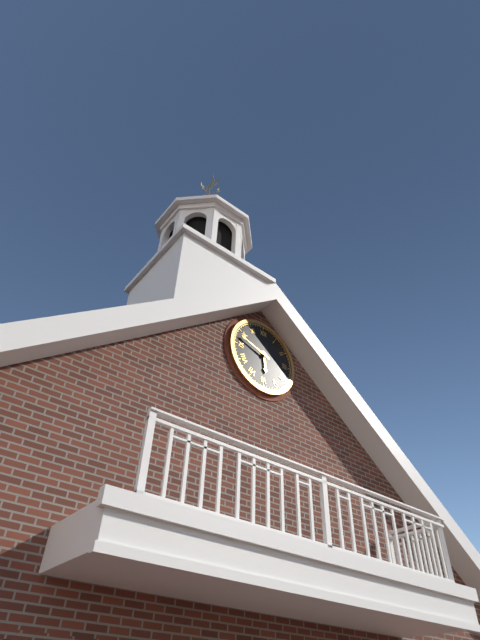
5:48
